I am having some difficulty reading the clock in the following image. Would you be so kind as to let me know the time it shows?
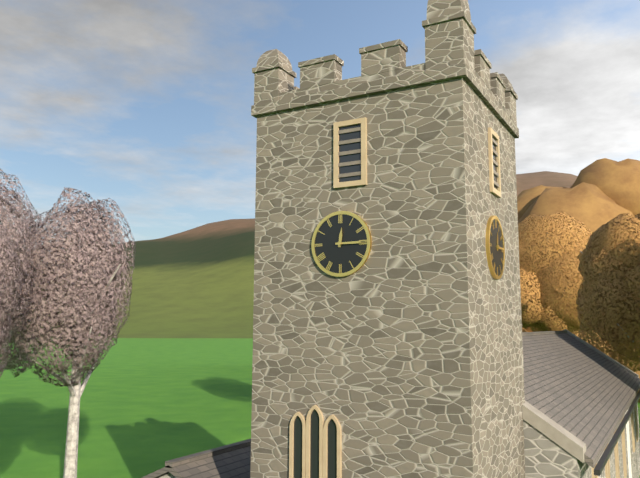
12:15
